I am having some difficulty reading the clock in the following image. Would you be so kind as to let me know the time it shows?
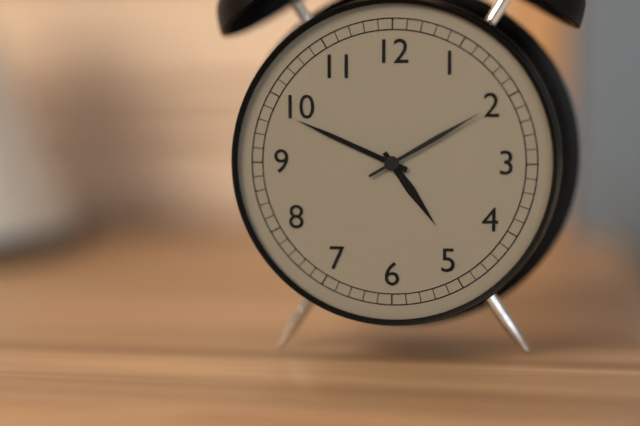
4:49:10
